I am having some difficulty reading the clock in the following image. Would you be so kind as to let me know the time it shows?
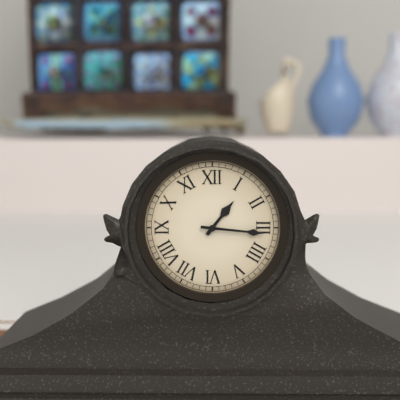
1:16
